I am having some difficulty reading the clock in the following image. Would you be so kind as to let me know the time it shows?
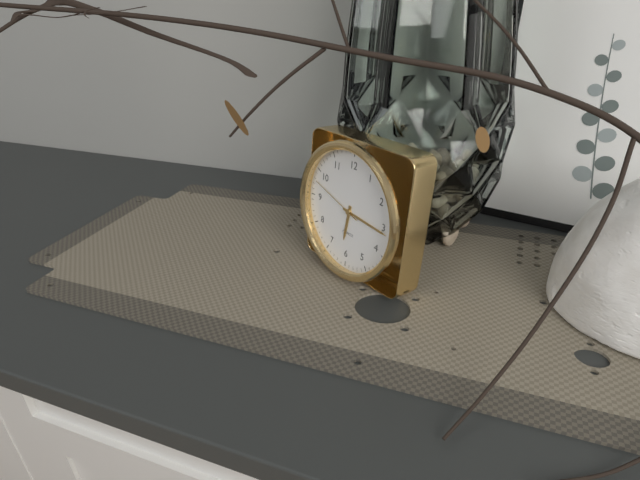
6:16:48
